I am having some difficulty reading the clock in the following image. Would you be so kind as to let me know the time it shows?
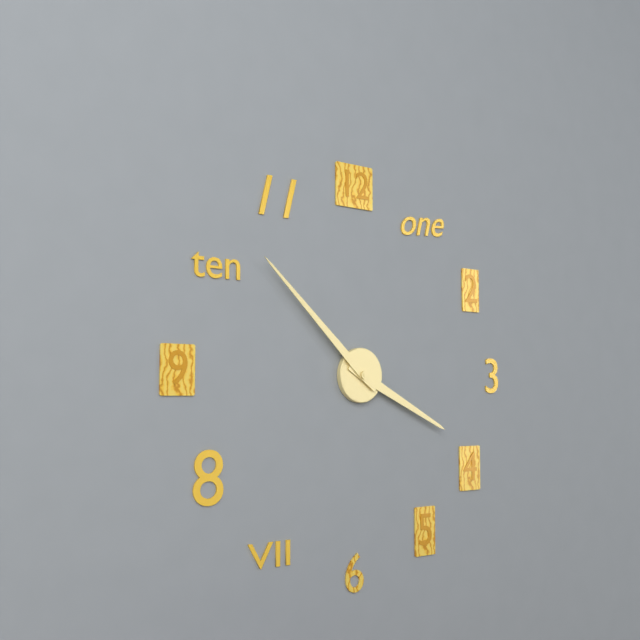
3:52
